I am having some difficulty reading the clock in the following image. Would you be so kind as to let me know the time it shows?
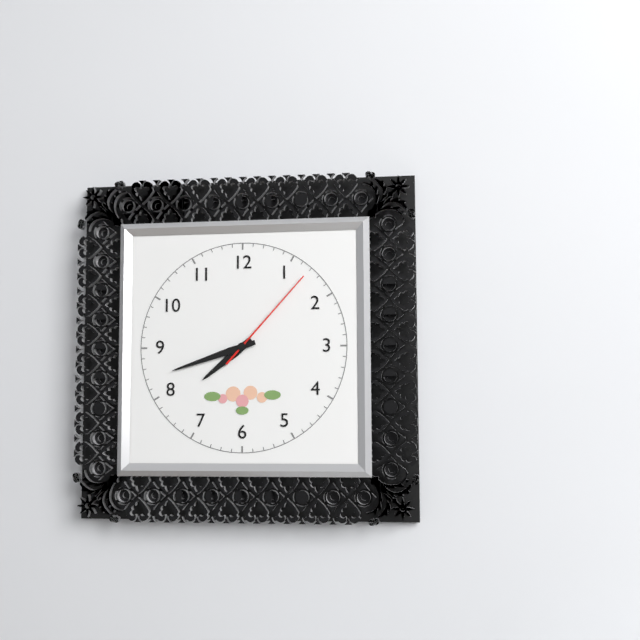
7:42:07
